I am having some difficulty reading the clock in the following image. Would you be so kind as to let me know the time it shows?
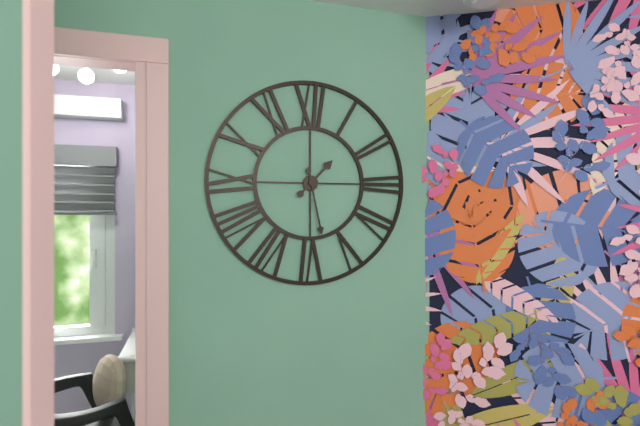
1:28
